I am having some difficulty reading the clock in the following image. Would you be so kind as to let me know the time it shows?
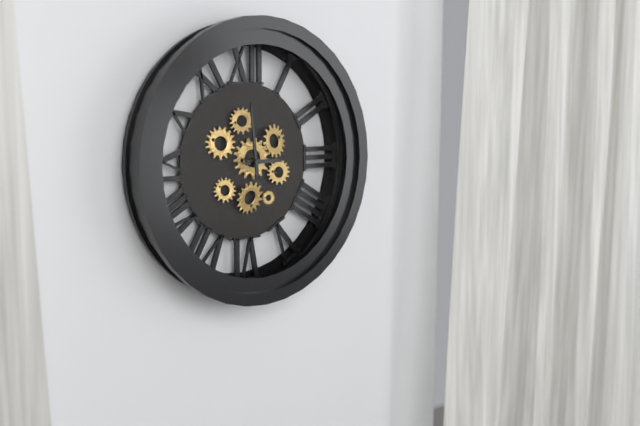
2:59
